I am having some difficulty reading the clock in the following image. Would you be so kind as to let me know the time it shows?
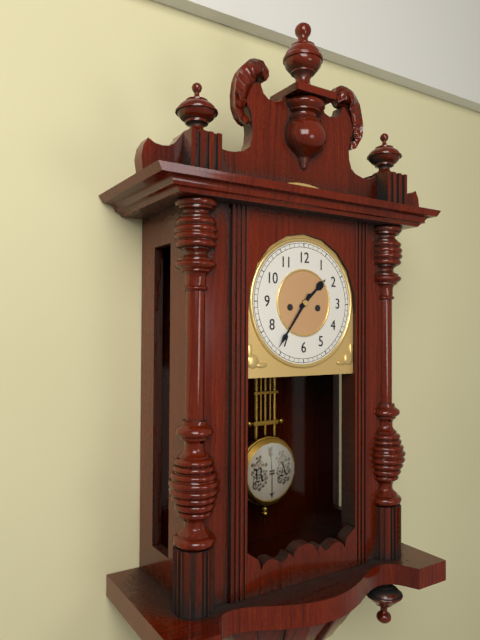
1:36
